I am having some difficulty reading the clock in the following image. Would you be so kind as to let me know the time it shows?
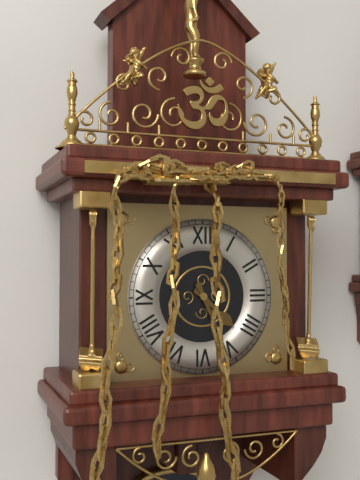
4:26
